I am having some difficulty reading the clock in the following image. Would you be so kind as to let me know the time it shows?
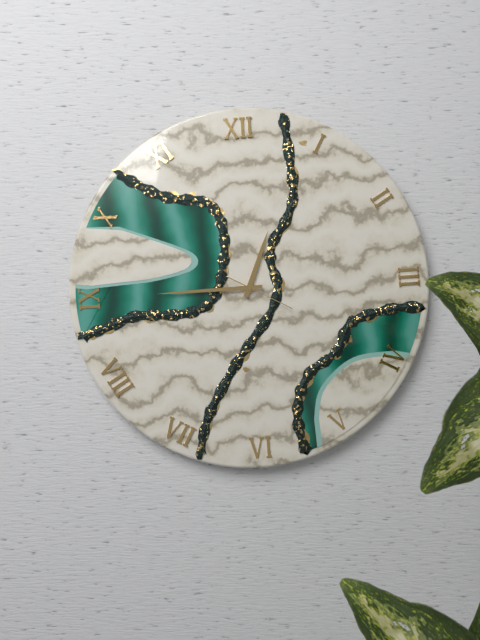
12:45:20
